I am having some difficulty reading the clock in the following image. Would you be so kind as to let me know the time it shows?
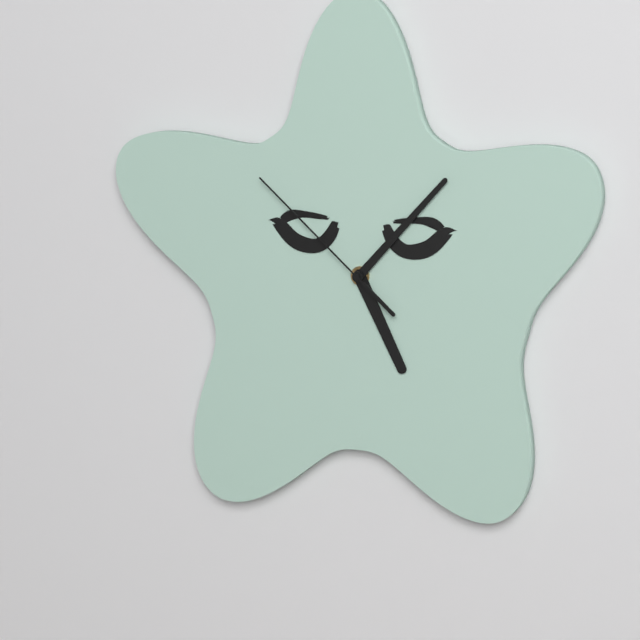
5:07:52
